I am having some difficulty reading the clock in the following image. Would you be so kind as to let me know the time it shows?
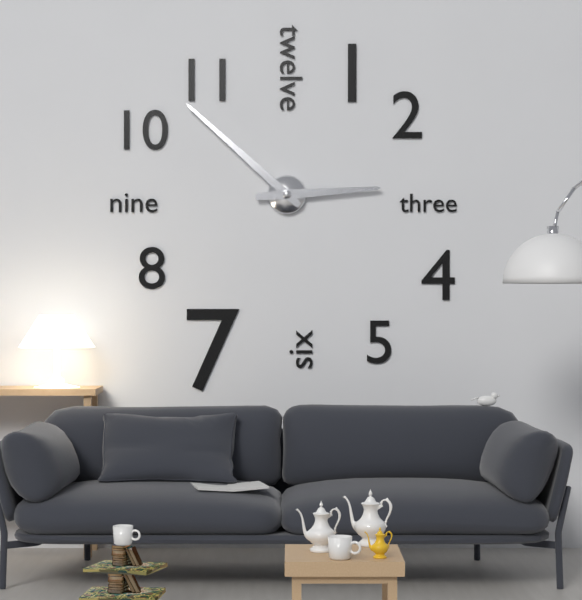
2:52
